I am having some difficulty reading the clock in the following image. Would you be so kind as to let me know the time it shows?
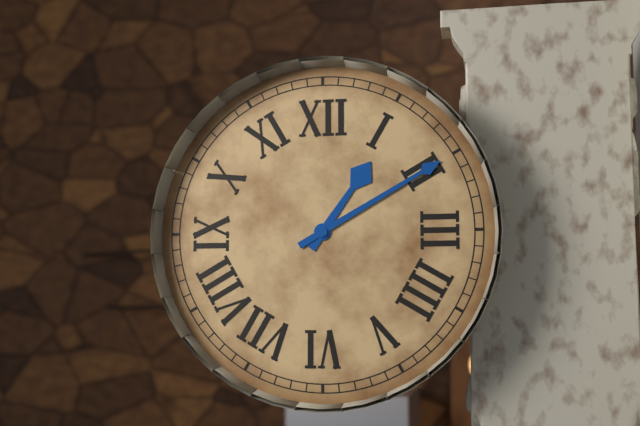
1:10
